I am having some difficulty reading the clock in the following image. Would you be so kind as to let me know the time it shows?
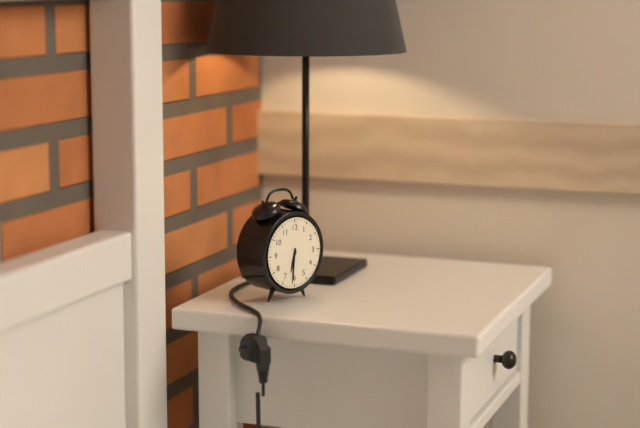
6:31
